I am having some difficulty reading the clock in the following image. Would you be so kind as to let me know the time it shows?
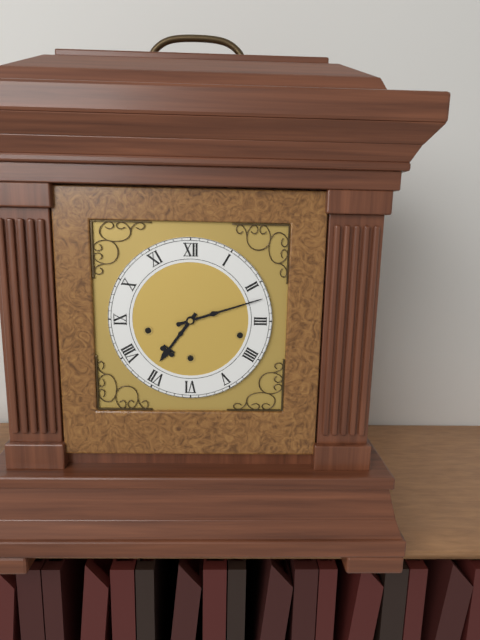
7:12
